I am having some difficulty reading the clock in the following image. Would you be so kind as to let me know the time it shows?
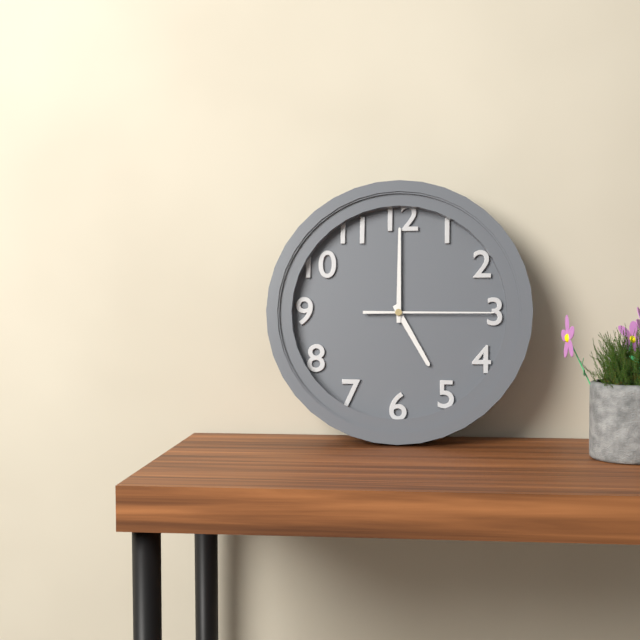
5:00:15
